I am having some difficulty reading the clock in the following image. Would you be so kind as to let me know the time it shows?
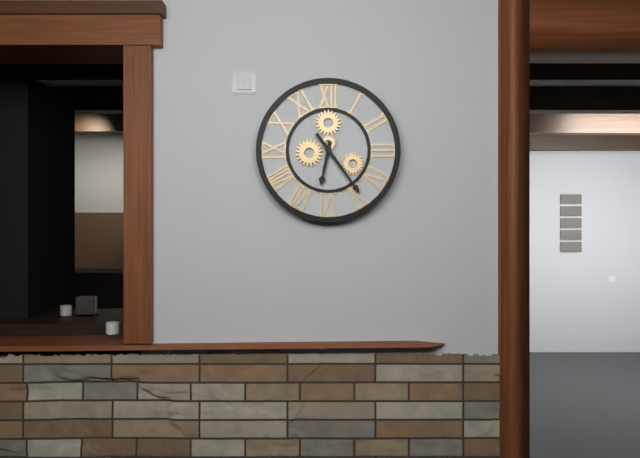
6:24
